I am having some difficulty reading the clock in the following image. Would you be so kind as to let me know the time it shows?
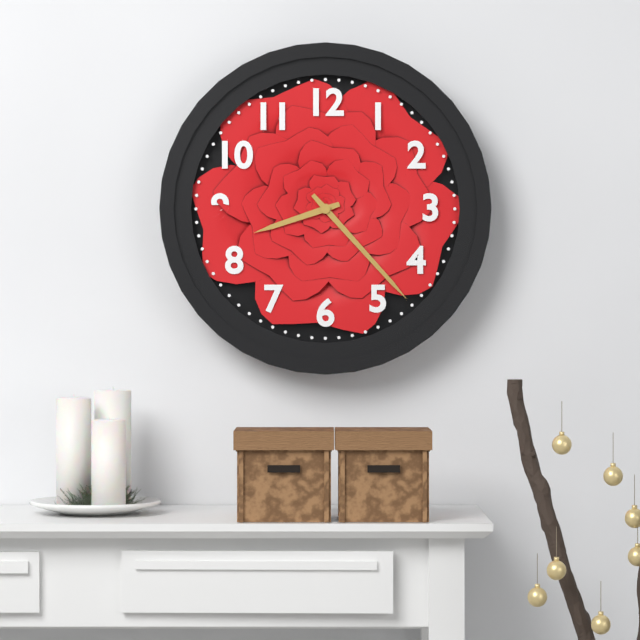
8:23
